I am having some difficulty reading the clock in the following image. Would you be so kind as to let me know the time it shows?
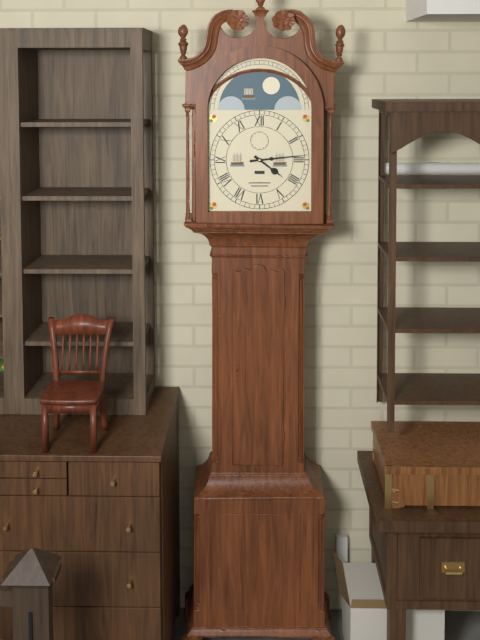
4:14
